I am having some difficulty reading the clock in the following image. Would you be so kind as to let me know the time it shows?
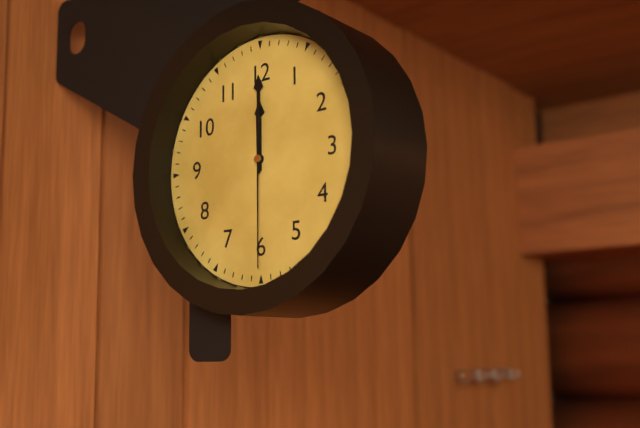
12:00:30
